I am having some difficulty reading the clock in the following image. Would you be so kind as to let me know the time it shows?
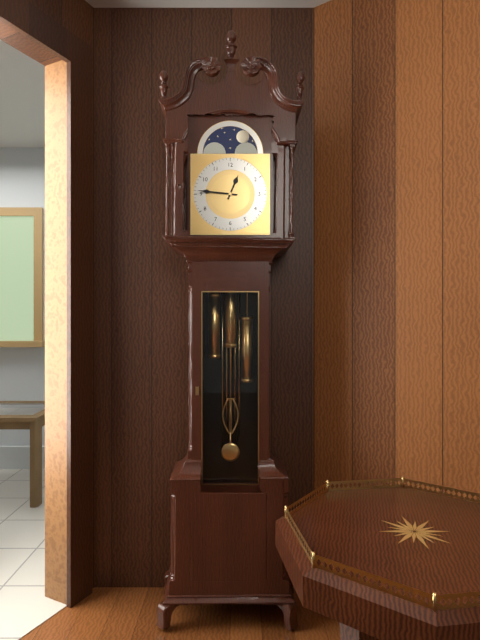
12:46
